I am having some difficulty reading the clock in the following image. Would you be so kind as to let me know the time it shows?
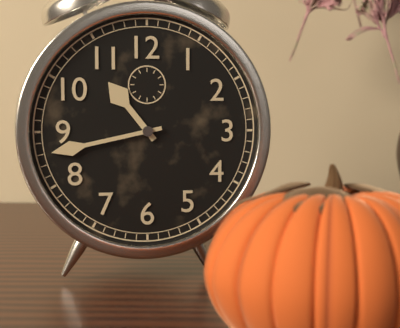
10:43
